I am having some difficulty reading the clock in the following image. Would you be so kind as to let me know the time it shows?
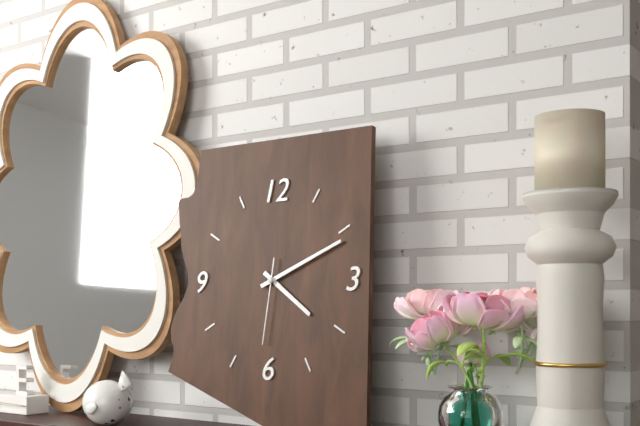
4:11:31
